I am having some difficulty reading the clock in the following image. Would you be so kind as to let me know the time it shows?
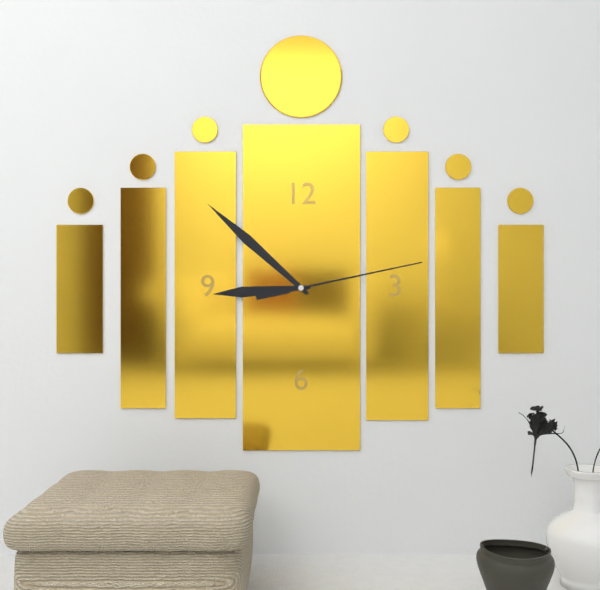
8:52:13
